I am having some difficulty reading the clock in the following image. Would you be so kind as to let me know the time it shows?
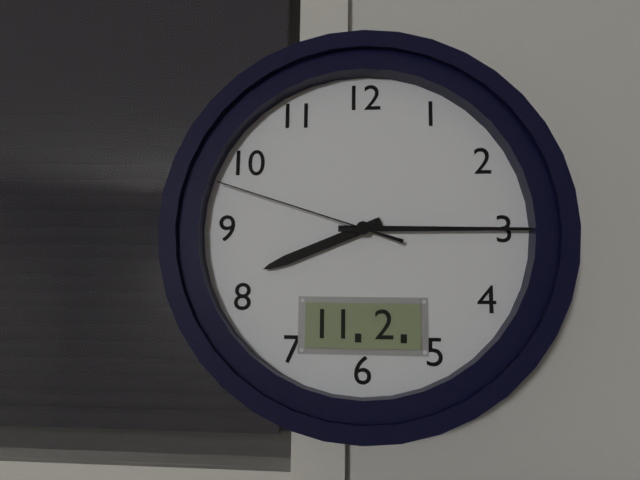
8:15:48
